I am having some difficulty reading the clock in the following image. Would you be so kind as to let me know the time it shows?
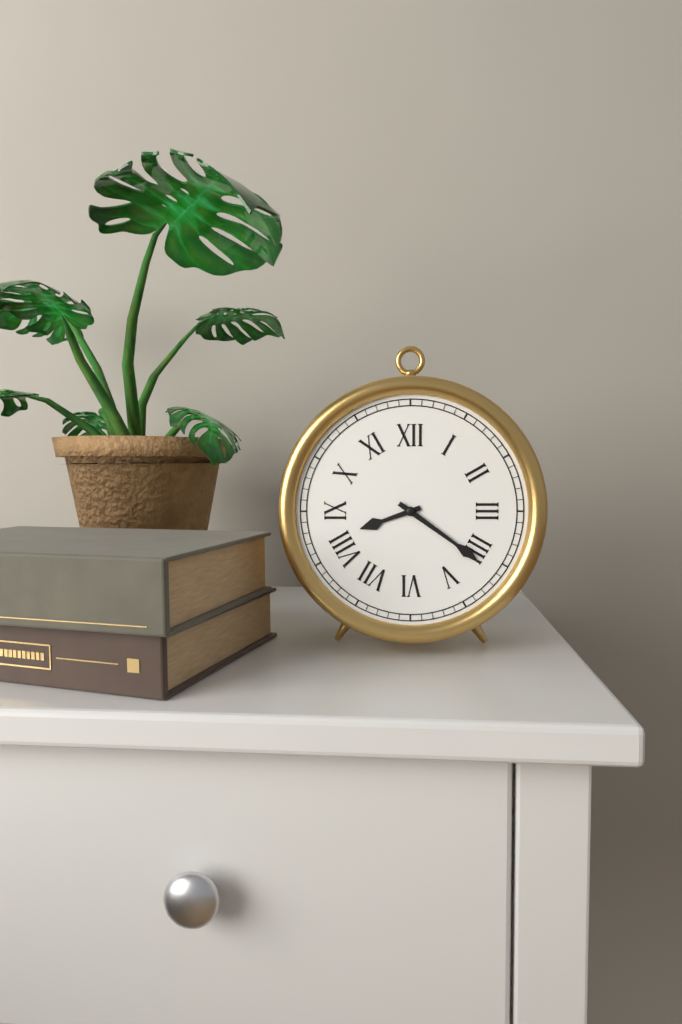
8:21
